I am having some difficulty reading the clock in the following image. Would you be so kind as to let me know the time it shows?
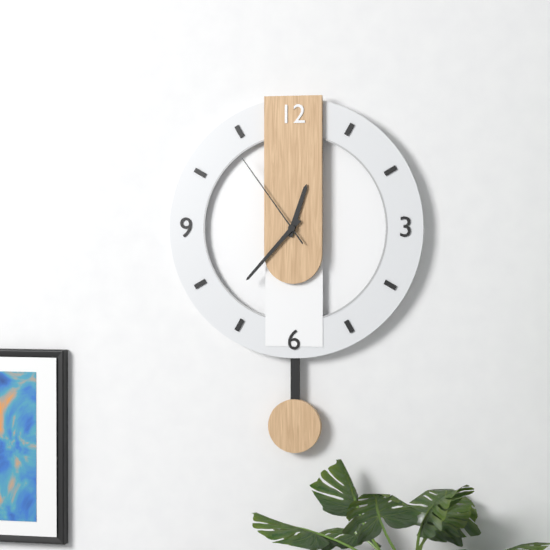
12:37:54
